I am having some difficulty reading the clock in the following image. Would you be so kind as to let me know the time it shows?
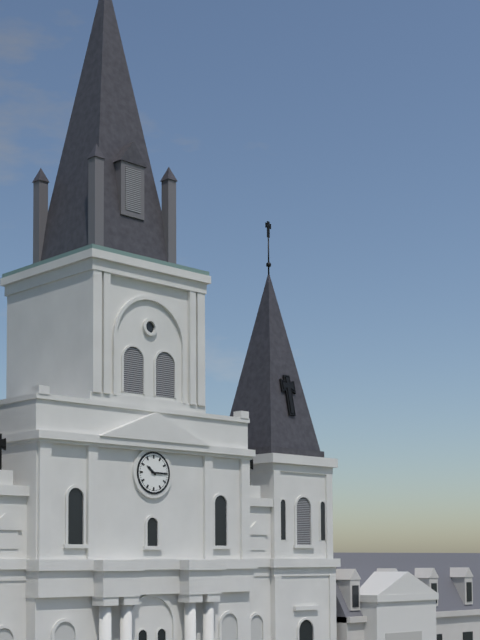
10:15
